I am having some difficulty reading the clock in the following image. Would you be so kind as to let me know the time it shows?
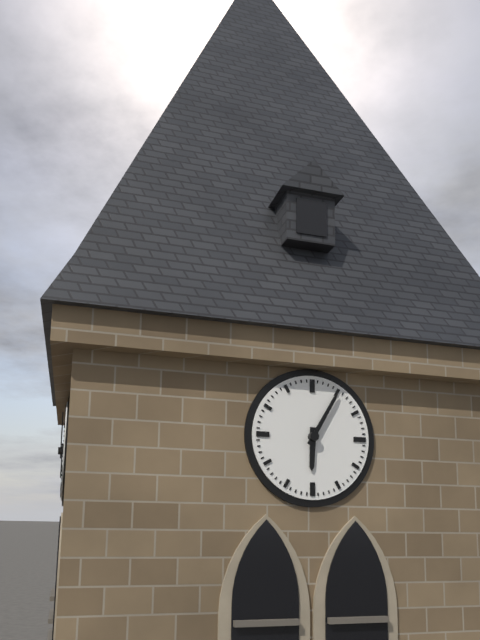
6:05
